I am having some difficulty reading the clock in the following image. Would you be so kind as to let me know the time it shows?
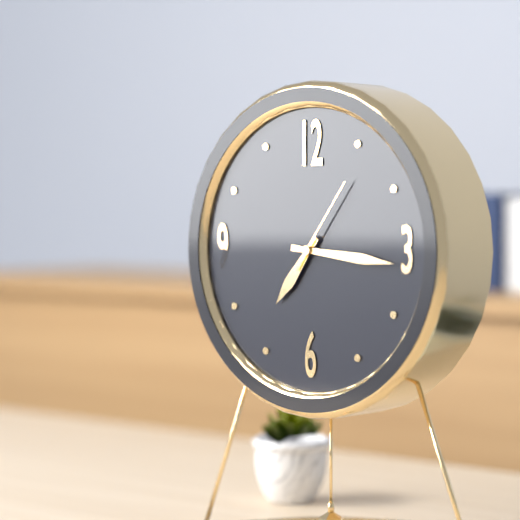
7:16:06
